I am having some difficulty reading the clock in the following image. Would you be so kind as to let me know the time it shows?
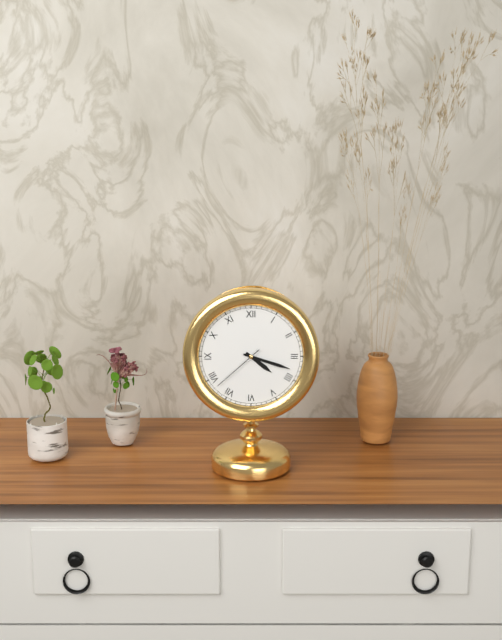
4:18:38
